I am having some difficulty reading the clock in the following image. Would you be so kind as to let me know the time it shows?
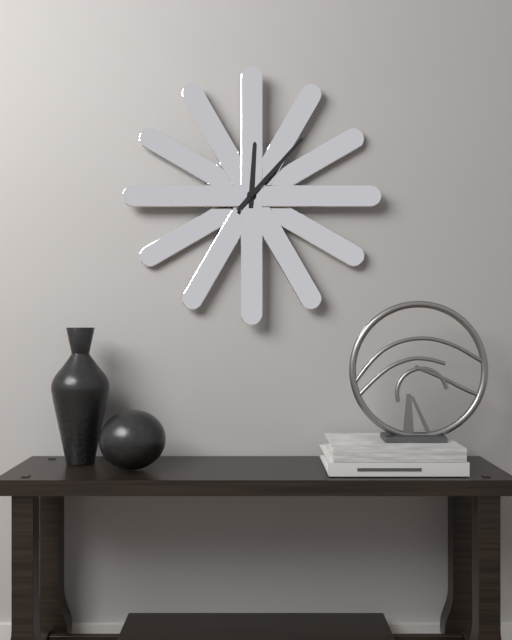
12:07
